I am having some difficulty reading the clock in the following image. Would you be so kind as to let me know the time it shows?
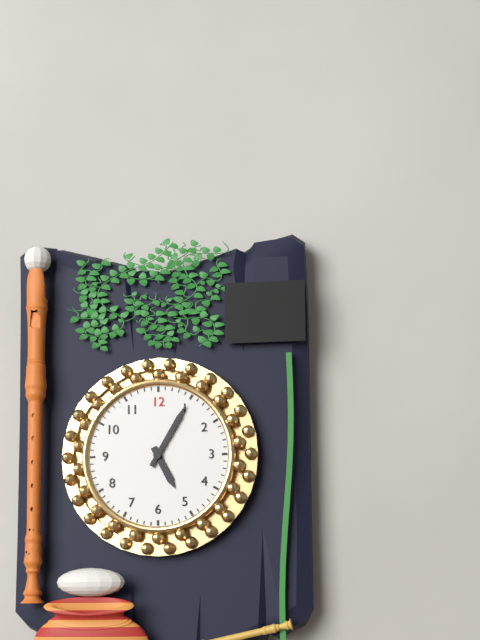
5:05
